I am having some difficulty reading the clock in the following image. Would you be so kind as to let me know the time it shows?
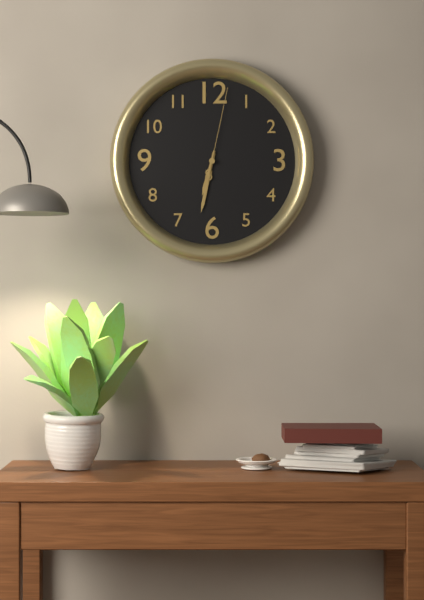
6:32:02
